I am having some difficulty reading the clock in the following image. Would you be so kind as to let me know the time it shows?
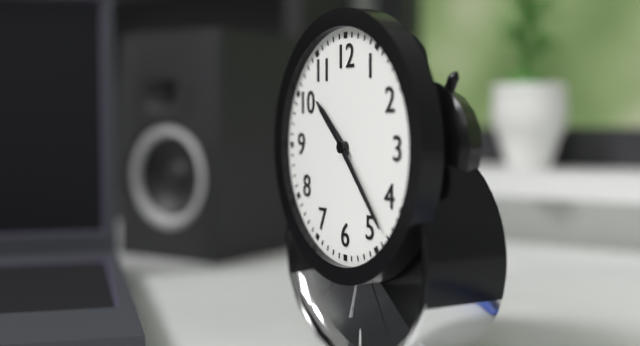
10:23
